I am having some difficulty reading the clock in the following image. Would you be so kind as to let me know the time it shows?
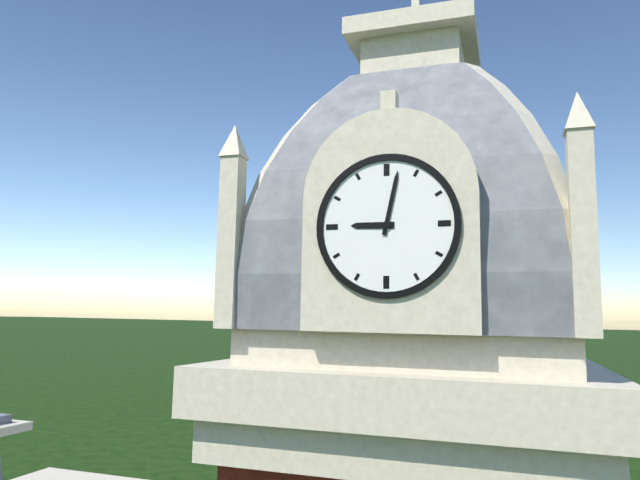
9:02
